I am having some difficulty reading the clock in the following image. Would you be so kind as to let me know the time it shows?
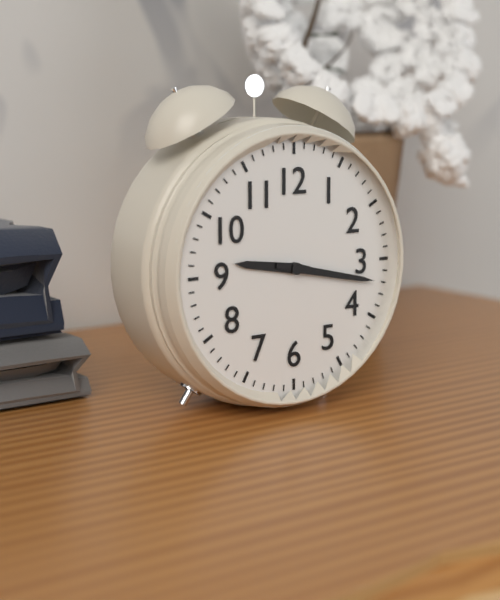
9:17
